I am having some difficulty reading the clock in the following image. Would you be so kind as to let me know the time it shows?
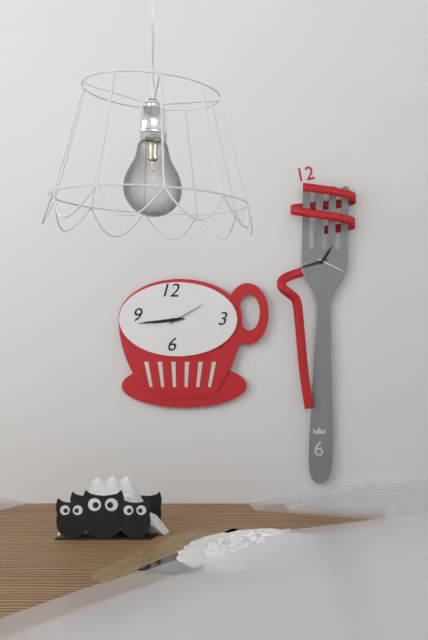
8:44
